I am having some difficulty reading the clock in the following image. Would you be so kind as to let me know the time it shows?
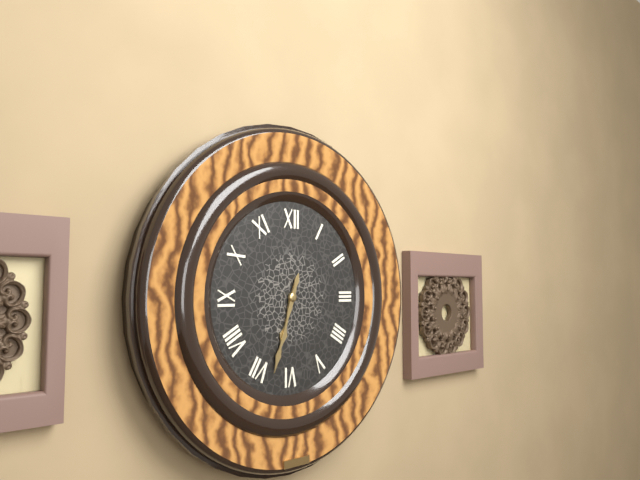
6:33
